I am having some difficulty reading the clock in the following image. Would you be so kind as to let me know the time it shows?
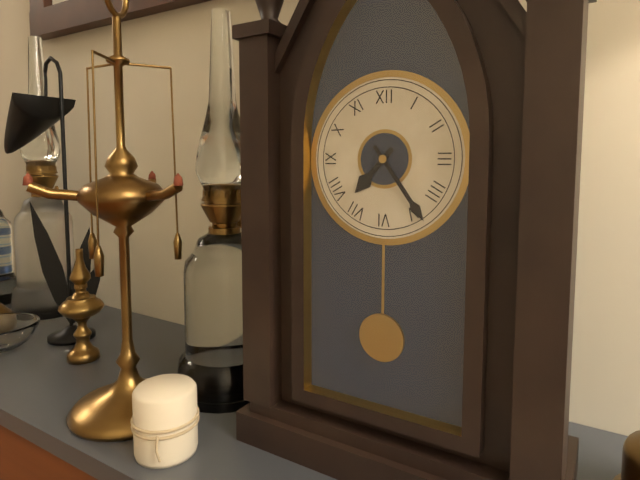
7:24
